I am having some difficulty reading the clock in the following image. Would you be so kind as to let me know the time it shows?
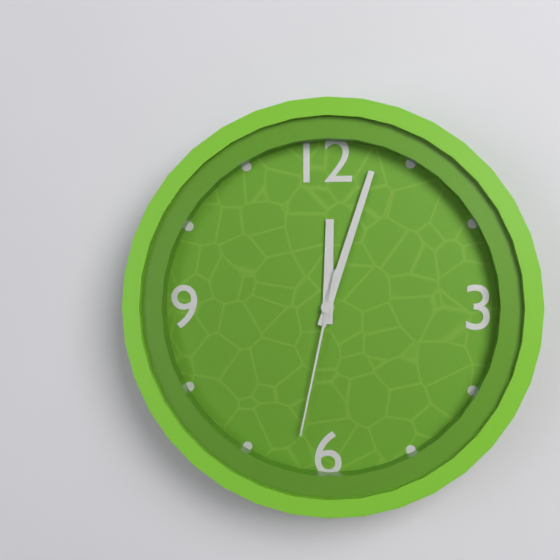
12:03:32
